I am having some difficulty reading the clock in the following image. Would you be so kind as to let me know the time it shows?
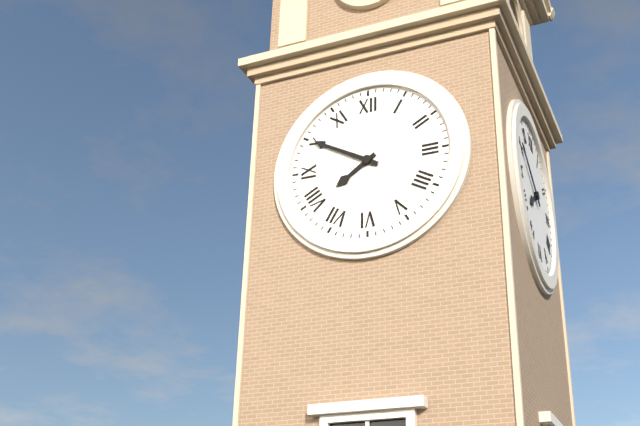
7:50
